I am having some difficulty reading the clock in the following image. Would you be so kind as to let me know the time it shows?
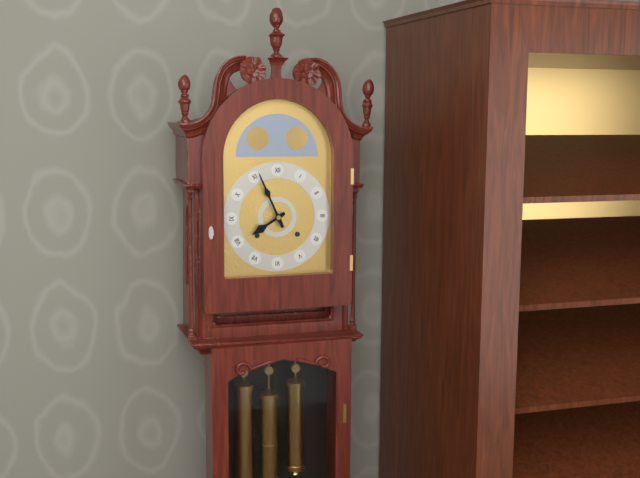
7:56
